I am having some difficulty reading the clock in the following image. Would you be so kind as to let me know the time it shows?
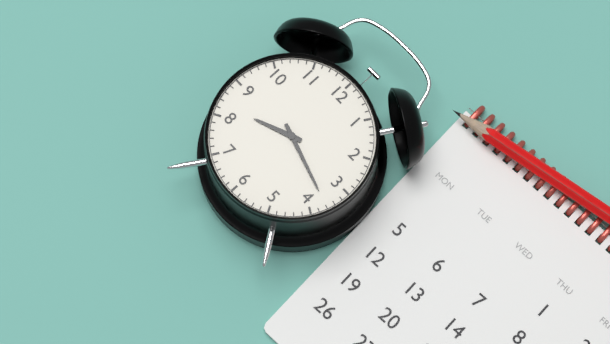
8:18
